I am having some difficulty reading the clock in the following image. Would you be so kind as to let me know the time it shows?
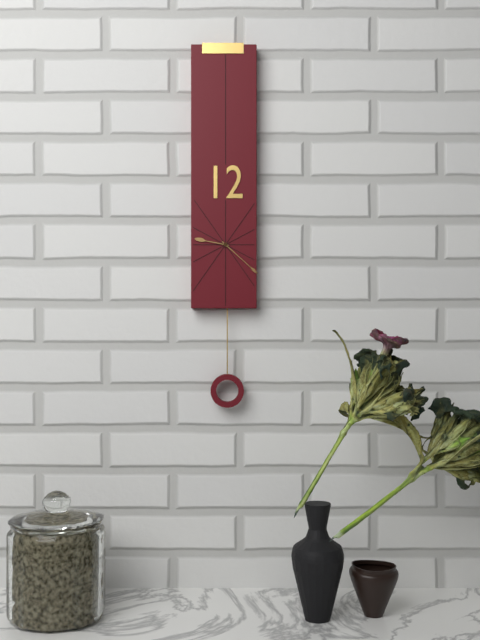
9:22
